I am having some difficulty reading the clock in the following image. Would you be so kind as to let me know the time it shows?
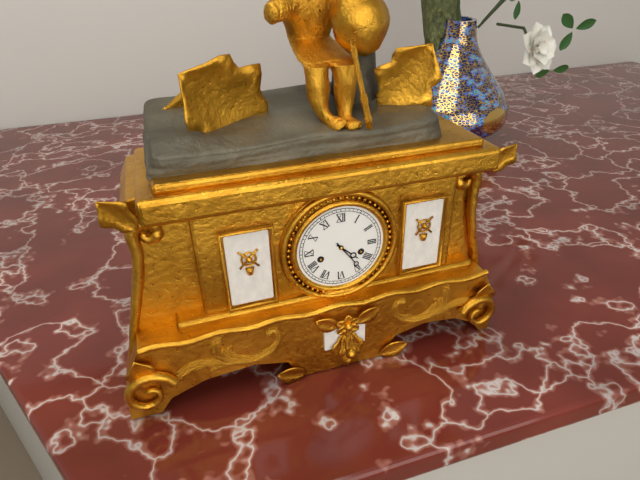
4:24
